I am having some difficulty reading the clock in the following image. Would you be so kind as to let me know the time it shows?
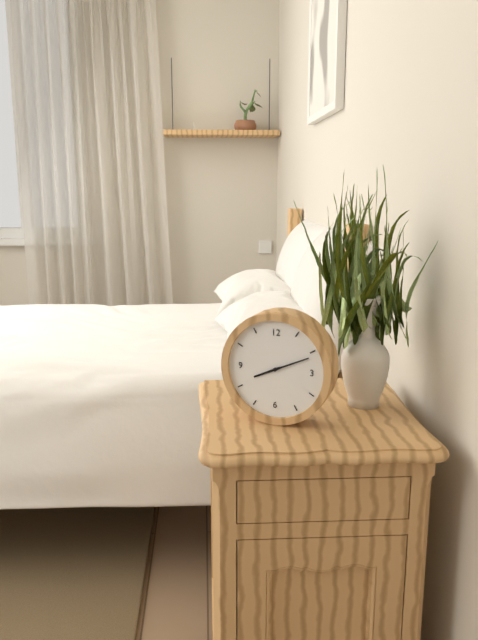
8:11
